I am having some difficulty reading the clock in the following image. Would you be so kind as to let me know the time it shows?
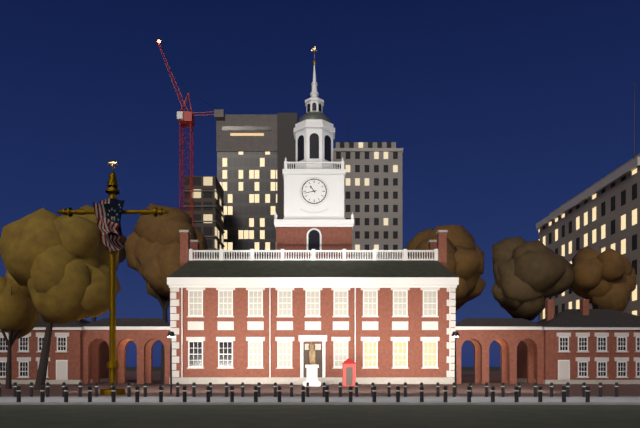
10:43
